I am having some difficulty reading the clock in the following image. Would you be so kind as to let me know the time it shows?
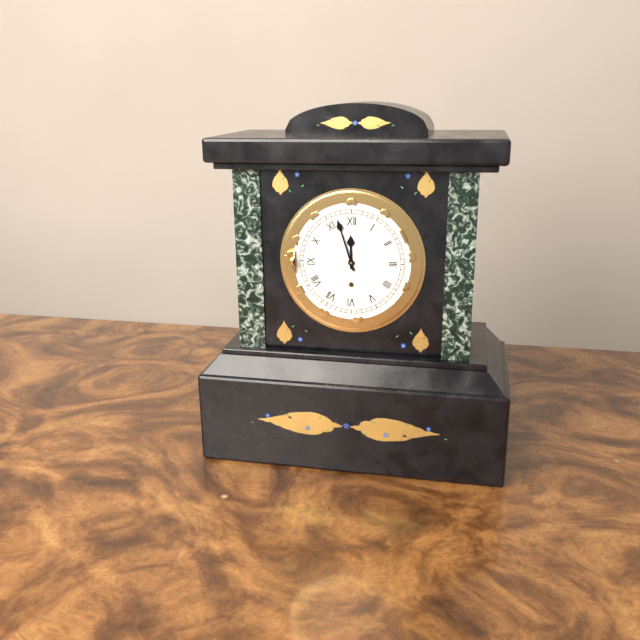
11:57
